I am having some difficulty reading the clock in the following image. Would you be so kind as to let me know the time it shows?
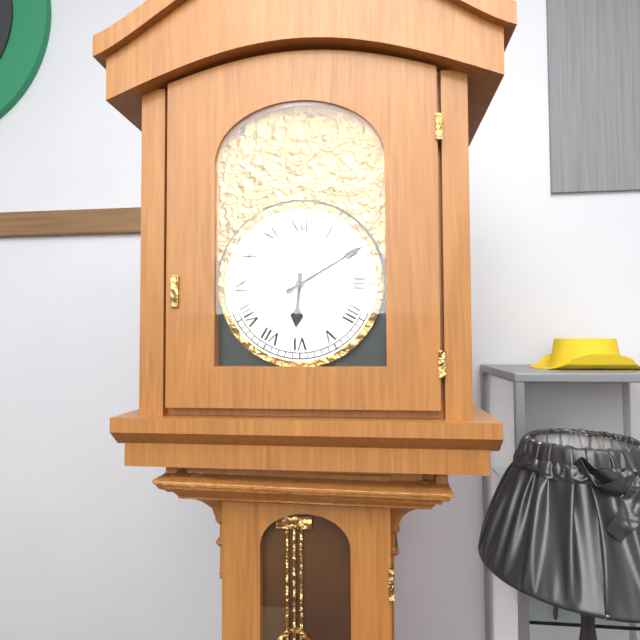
6:10
